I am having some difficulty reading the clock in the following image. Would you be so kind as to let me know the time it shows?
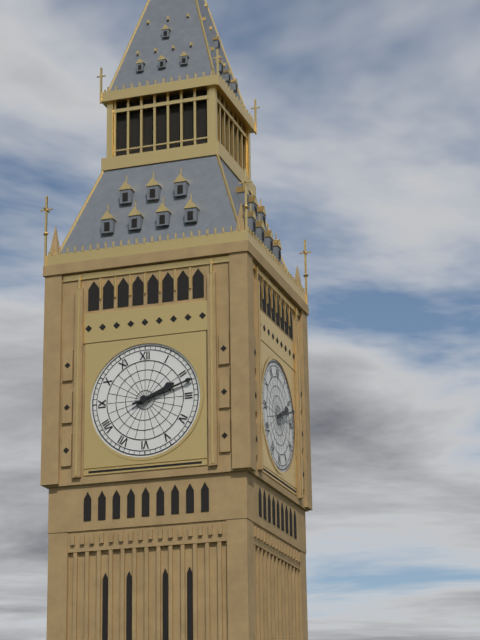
2:12
